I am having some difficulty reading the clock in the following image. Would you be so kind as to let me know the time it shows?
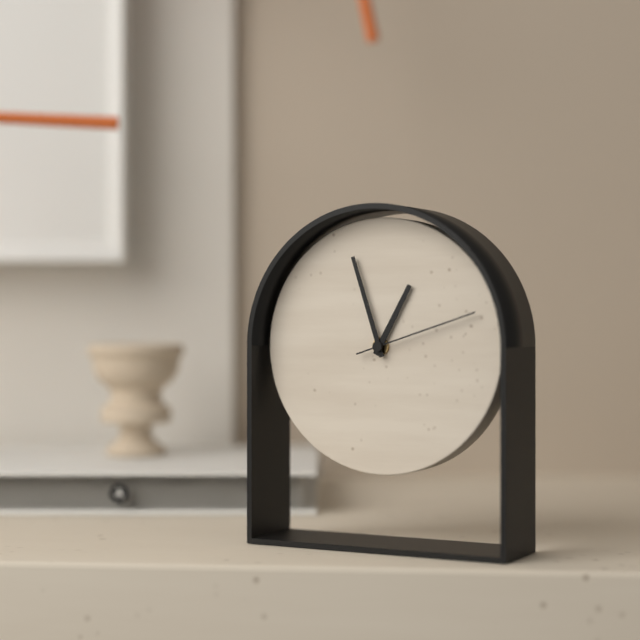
12:57:12
